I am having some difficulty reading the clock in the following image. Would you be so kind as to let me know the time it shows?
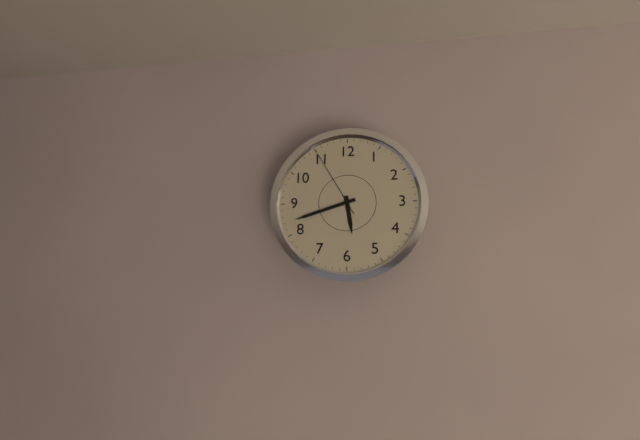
5:42:55
